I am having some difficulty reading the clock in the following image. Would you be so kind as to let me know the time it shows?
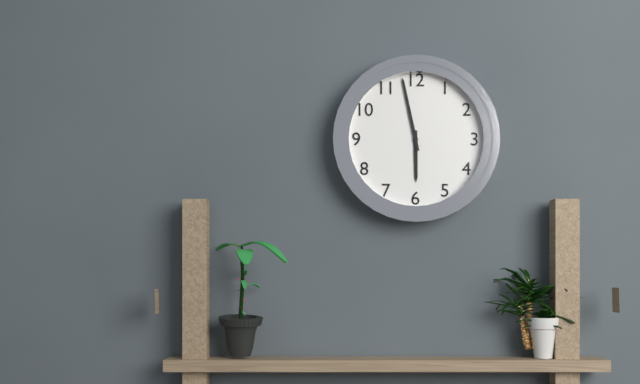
5:58
